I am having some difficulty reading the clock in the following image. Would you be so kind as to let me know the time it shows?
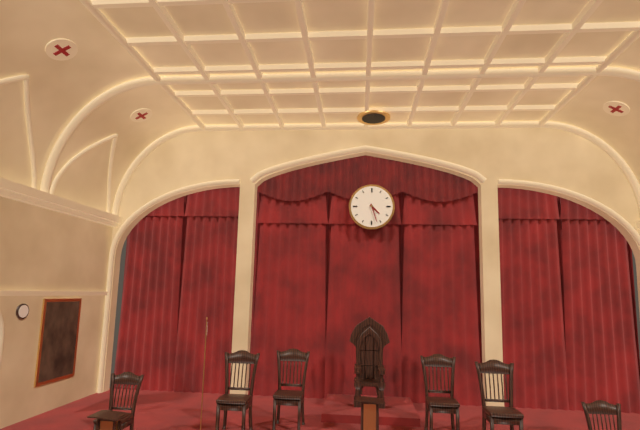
4:27
